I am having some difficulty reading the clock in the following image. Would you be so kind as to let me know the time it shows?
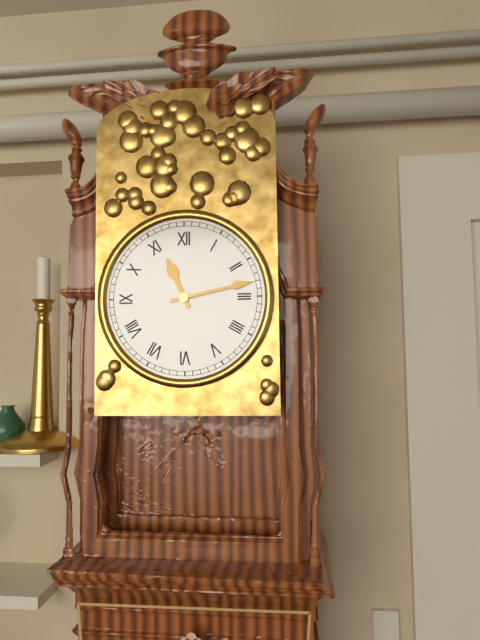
11:13
